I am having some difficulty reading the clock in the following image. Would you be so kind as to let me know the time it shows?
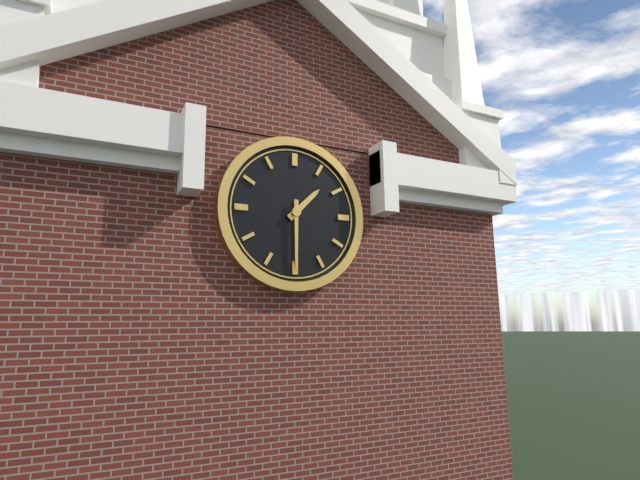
1:30
